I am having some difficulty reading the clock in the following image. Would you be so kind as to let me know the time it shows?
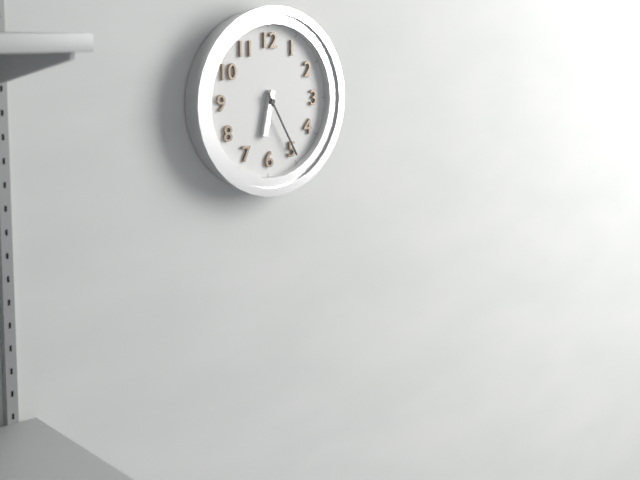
6:25
